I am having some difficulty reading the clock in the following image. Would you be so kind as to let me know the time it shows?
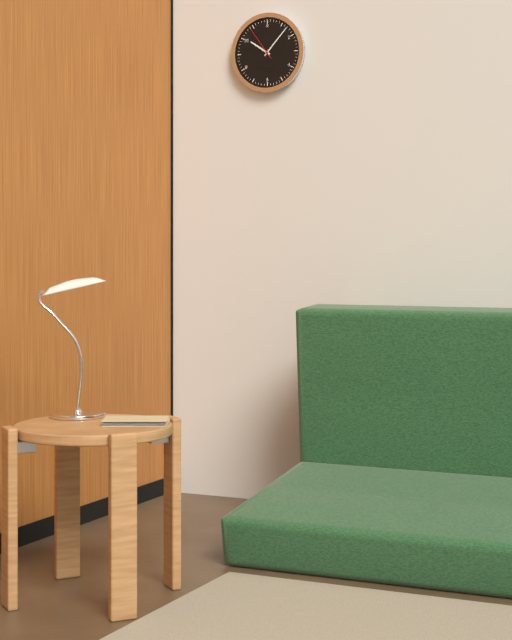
10:07
